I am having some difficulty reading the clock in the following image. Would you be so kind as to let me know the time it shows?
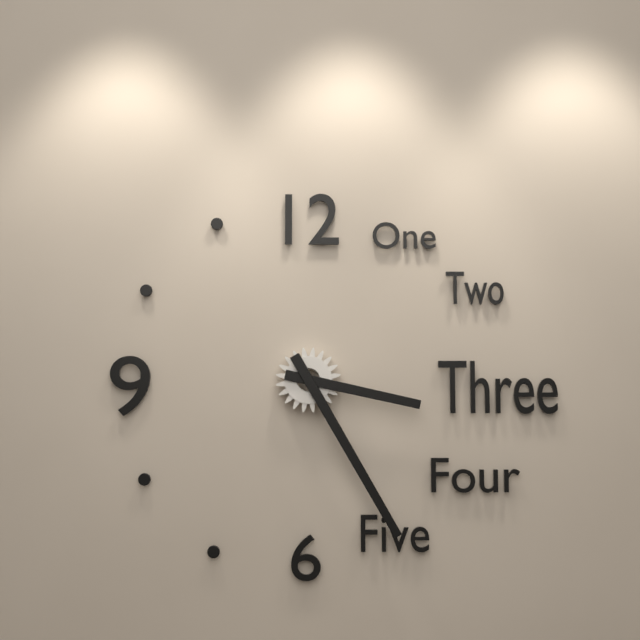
3:25
